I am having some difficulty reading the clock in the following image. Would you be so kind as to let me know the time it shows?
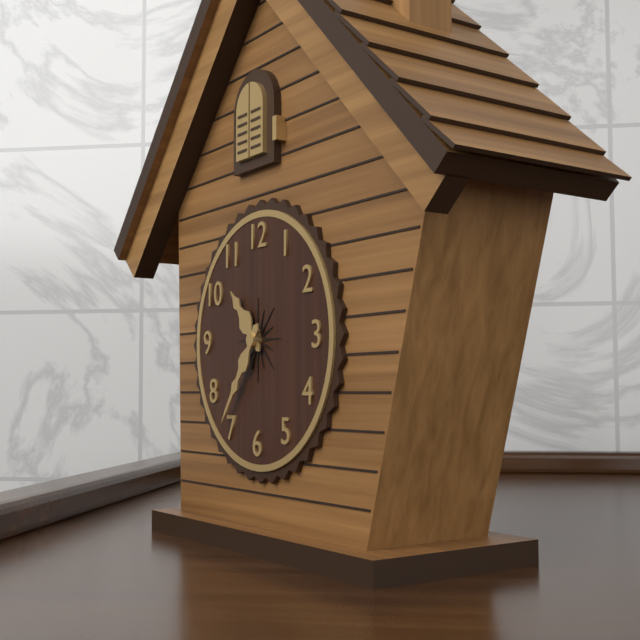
10:36
